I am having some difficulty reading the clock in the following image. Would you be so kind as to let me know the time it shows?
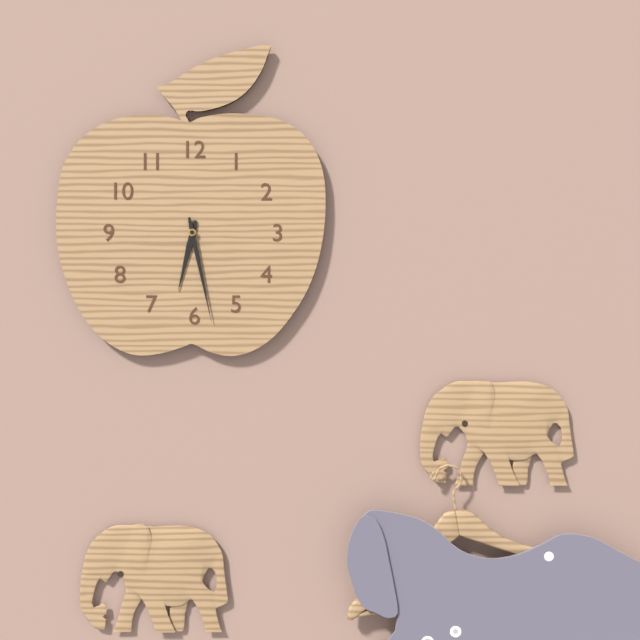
6:28
